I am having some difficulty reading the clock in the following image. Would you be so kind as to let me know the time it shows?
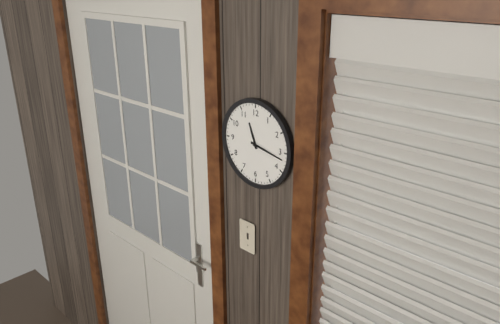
11:17
